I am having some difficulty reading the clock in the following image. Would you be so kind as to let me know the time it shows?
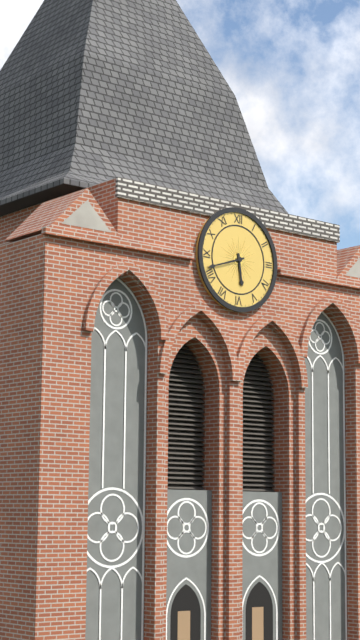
5:42
